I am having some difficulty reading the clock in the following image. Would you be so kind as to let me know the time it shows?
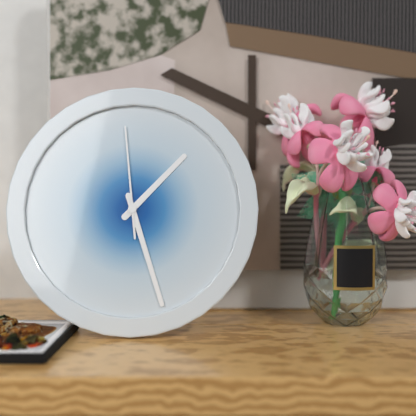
1:27:59
